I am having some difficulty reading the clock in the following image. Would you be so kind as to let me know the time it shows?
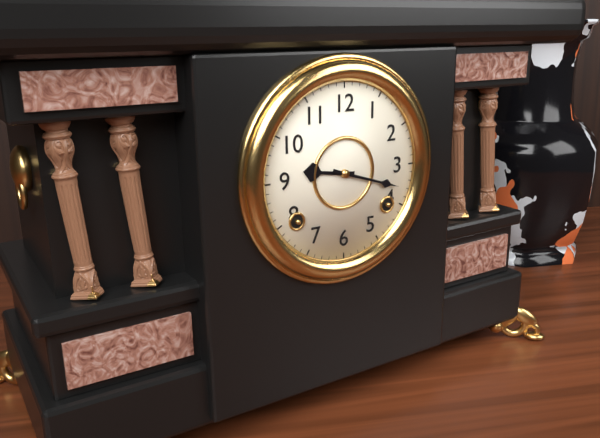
9:18
